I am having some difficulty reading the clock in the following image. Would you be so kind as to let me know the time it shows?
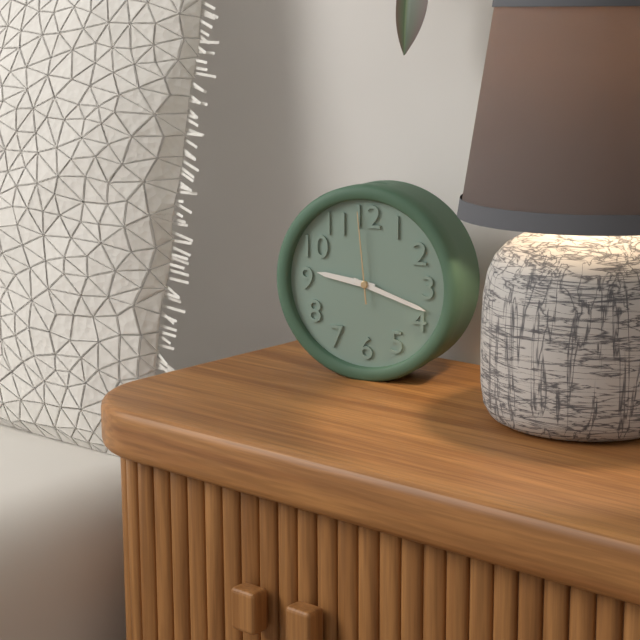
9:18:59
